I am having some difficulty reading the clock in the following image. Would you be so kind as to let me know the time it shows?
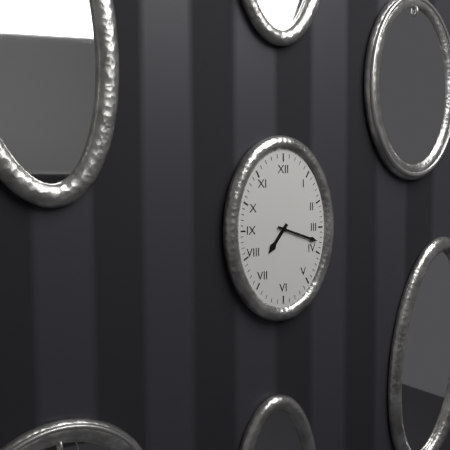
7:18
